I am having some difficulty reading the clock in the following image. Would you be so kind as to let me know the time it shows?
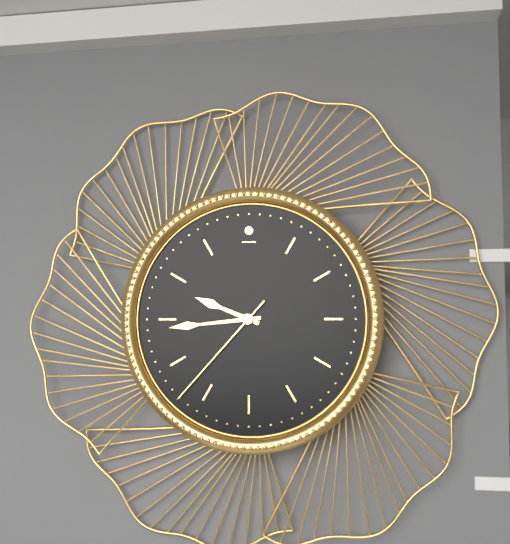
9:44:37
